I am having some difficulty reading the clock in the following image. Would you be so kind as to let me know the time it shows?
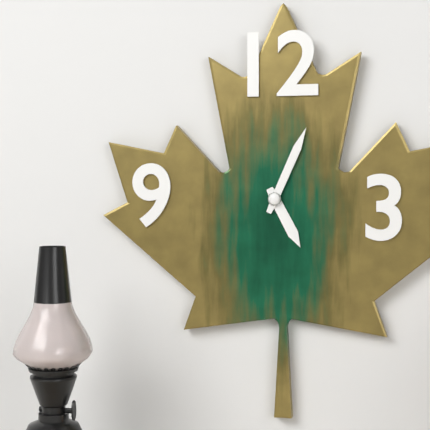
5:04
